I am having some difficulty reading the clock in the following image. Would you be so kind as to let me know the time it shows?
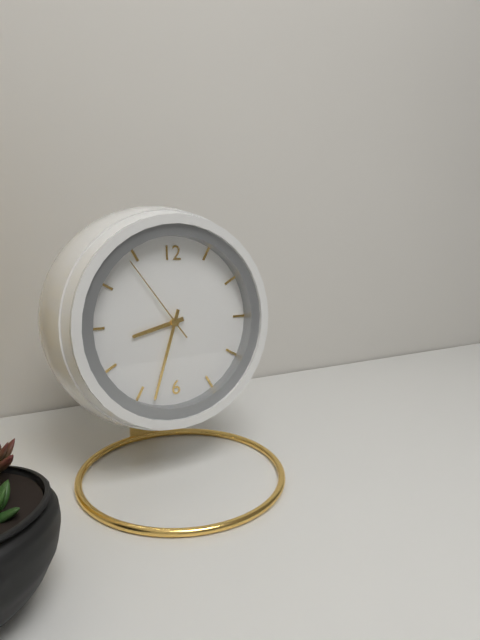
8:33:54
